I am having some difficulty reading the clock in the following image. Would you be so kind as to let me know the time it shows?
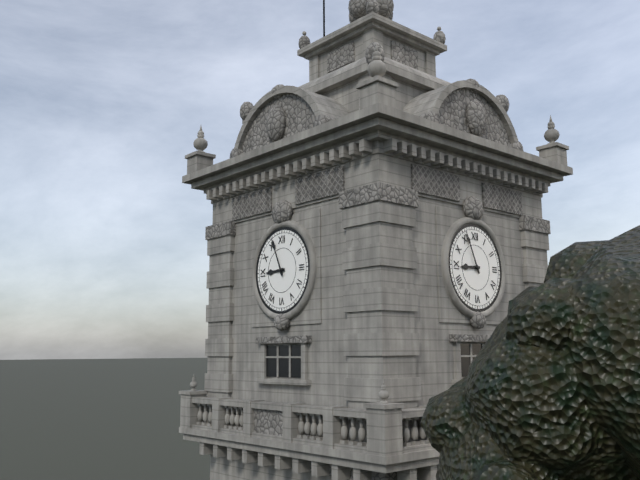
8:56
